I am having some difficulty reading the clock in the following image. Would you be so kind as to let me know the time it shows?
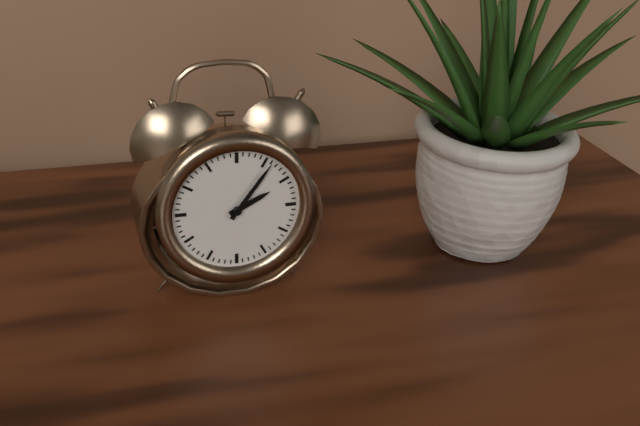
2:06
